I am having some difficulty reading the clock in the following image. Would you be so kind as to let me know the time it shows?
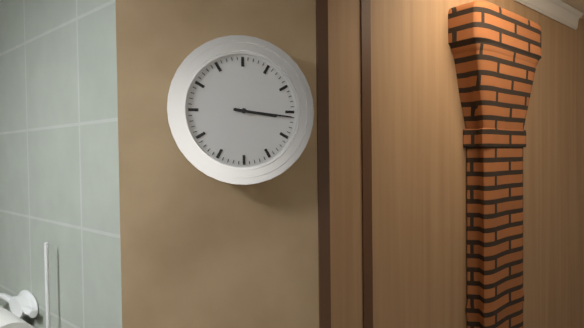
3:16
